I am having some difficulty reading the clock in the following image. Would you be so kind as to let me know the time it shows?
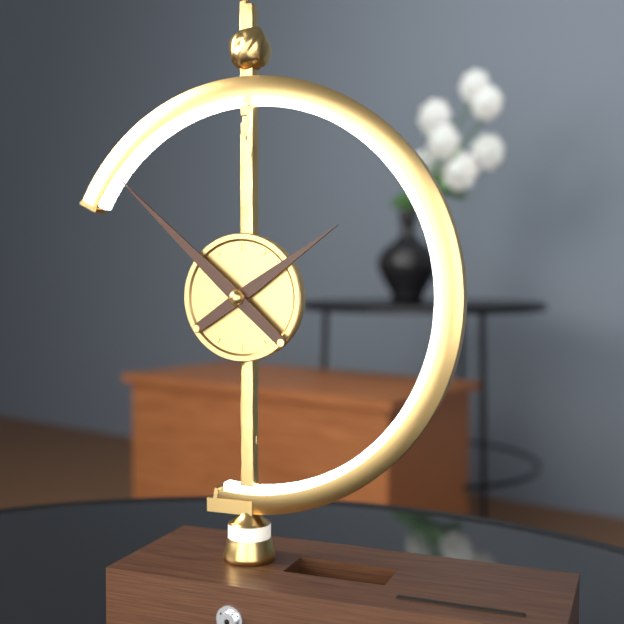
1:52
